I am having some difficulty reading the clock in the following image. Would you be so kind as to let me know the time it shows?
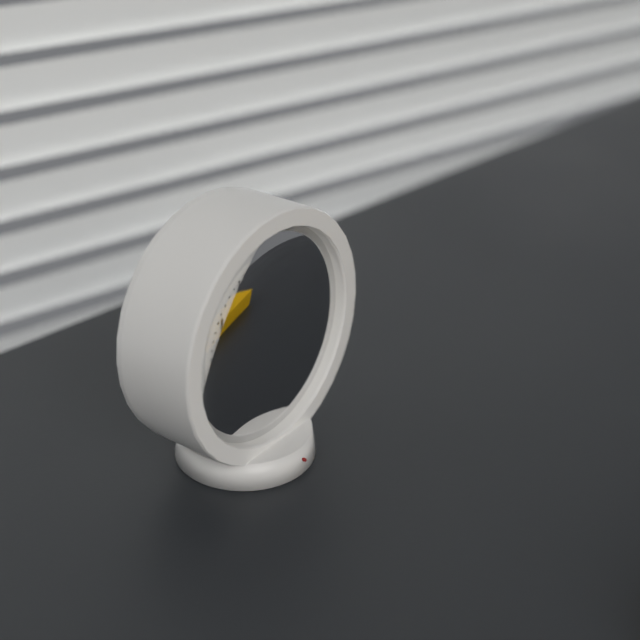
4:19:00
